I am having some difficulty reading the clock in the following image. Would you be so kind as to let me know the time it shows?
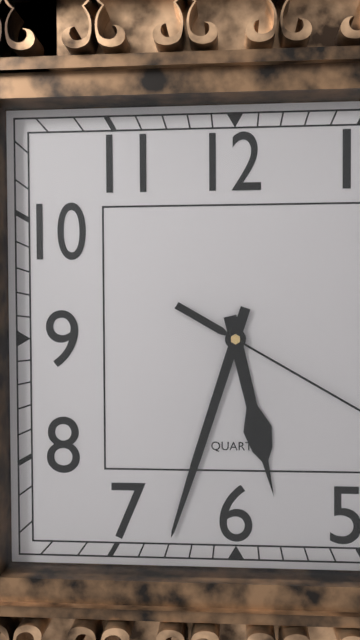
5:33
